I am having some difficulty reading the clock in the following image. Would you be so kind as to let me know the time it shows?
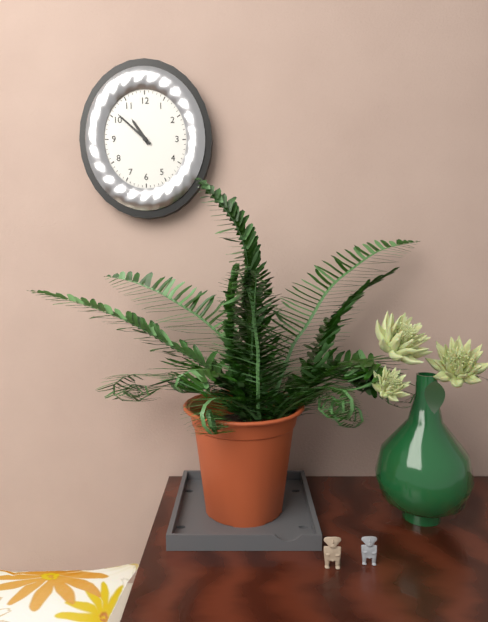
10:52
